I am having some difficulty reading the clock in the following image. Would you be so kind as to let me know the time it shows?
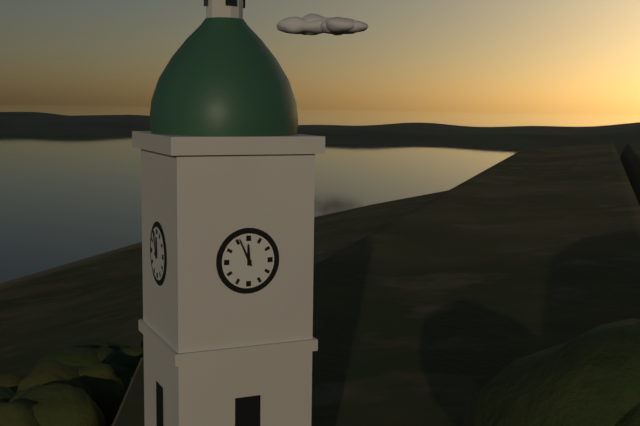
11:56
